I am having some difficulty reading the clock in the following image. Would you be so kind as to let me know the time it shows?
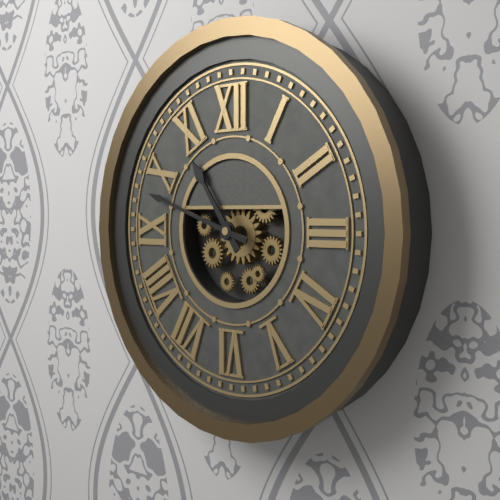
10:48
